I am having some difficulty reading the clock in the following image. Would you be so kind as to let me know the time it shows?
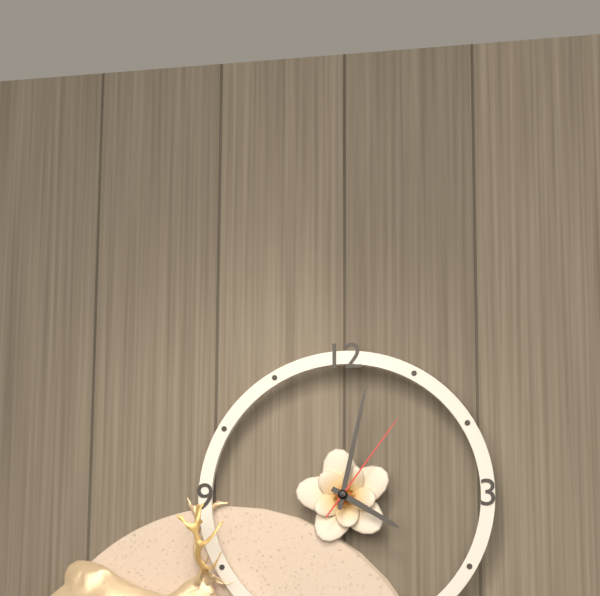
4:02:06
